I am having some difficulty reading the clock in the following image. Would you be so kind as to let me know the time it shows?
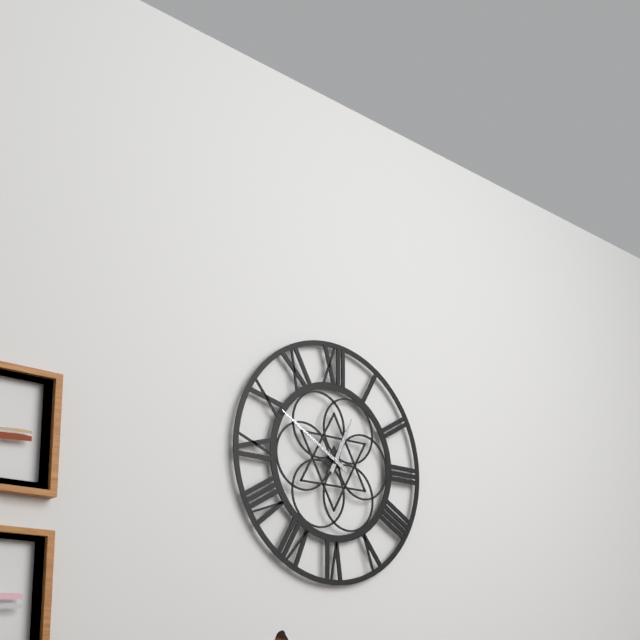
12:50
